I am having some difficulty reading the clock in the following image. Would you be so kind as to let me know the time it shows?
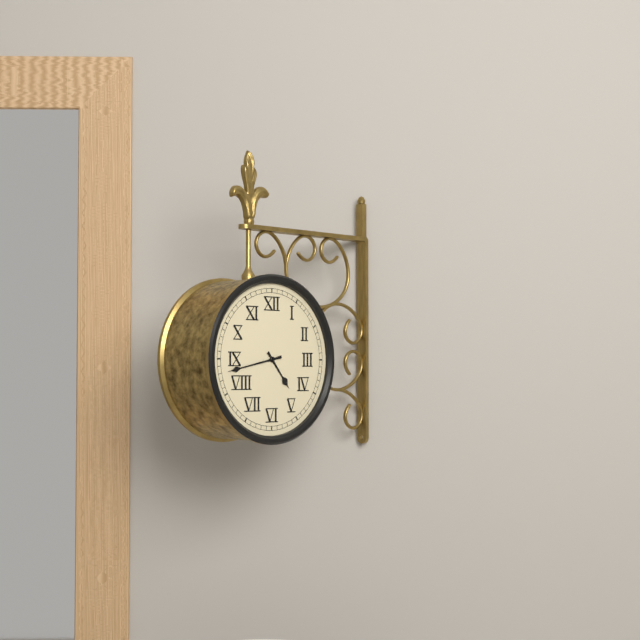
4:43
